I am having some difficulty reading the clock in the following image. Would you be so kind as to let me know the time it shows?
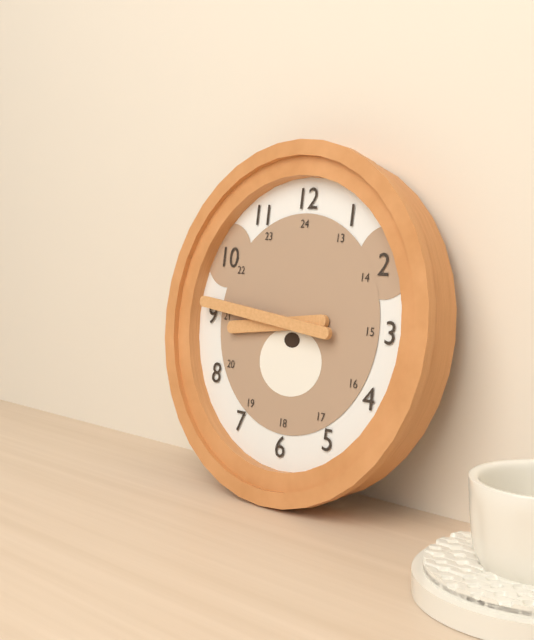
8:46
